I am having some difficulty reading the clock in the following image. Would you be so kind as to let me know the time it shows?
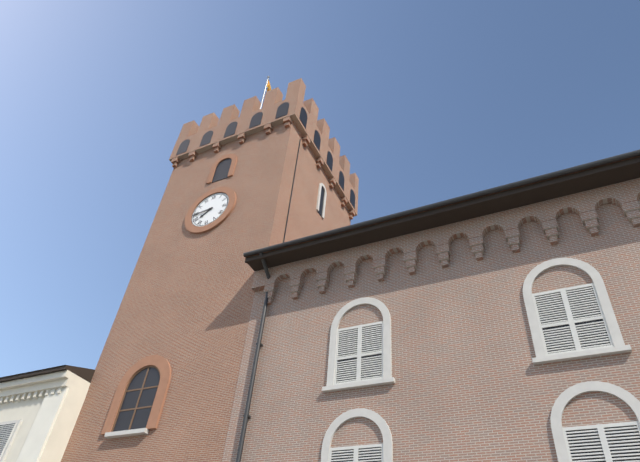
7:44
